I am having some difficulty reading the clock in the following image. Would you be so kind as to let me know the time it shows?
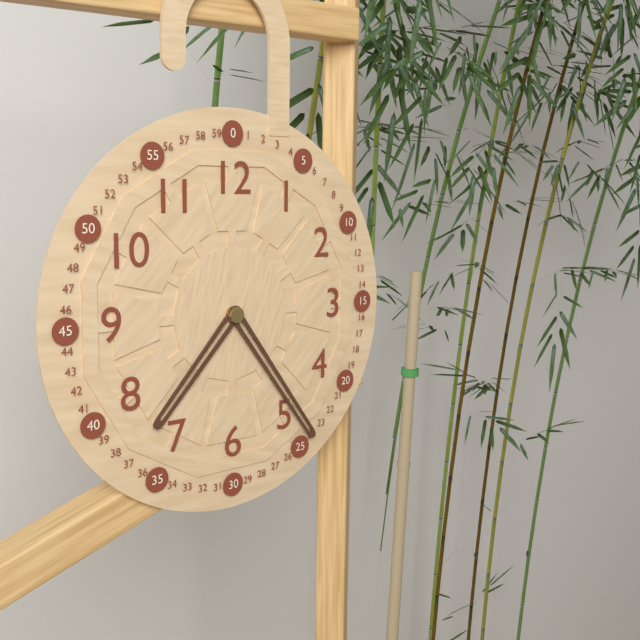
7:24
